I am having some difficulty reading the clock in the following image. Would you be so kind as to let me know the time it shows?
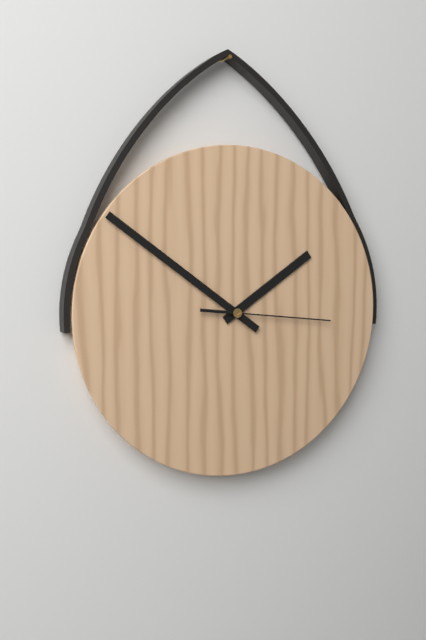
1:51:16
